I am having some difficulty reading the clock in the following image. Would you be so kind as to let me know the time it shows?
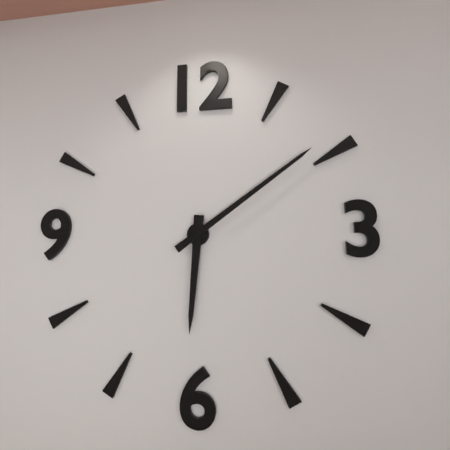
6:09
